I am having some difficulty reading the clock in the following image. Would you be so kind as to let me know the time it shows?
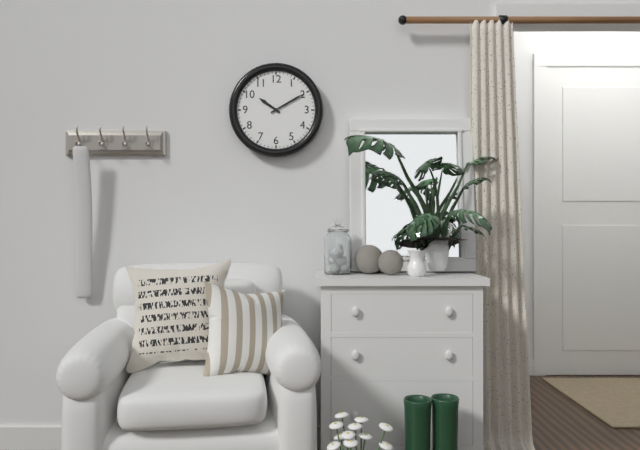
10:10
